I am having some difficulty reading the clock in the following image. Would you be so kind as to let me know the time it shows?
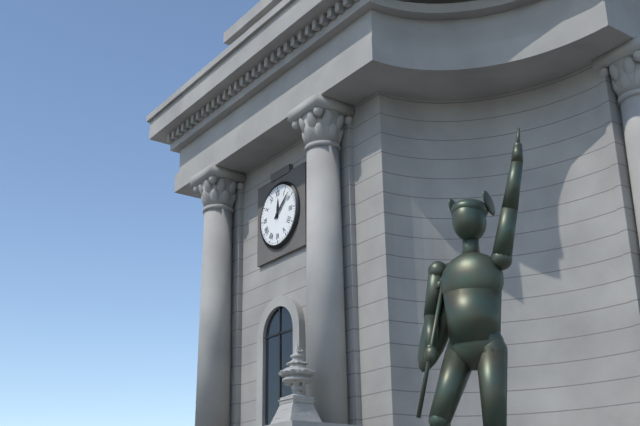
12:08
